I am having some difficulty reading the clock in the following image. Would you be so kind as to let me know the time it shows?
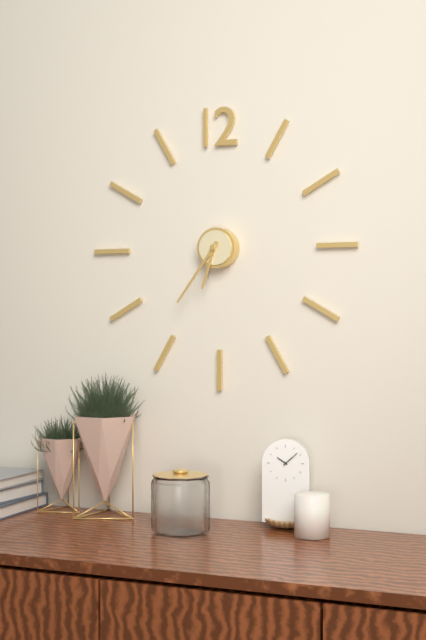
6:36
